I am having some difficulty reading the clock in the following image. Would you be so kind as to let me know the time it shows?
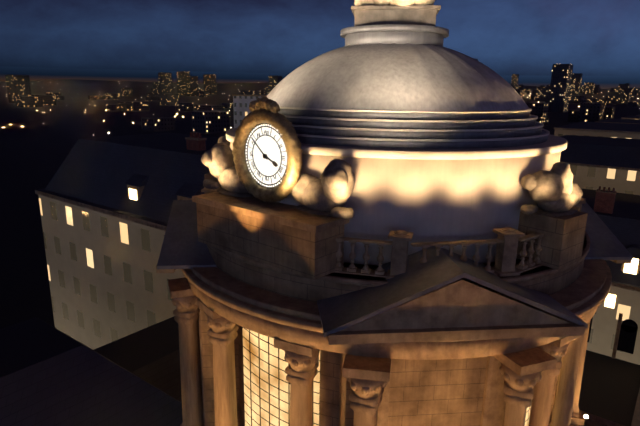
3:52
